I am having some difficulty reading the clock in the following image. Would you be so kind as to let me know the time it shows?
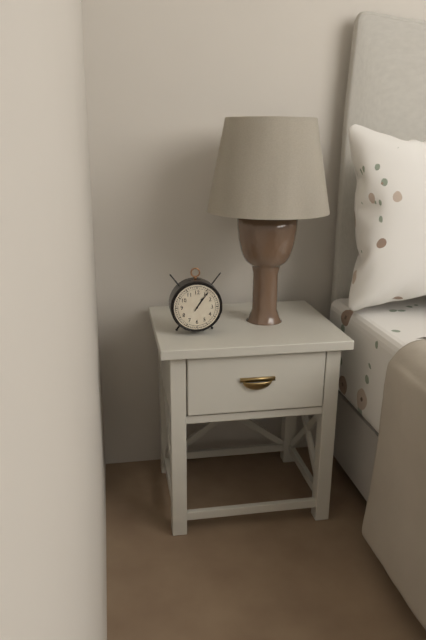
1:06
